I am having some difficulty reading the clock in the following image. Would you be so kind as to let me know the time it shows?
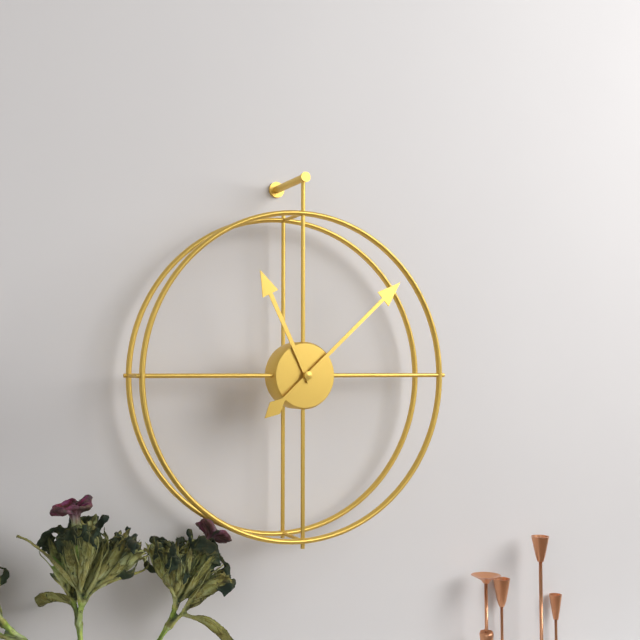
11:08
